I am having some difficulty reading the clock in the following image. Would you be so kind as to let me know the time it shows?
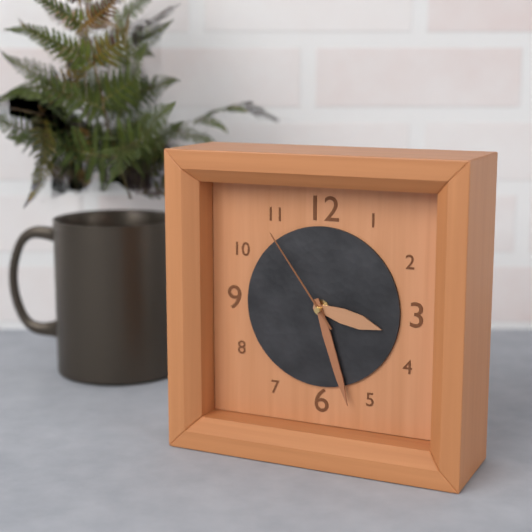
3:27:54
